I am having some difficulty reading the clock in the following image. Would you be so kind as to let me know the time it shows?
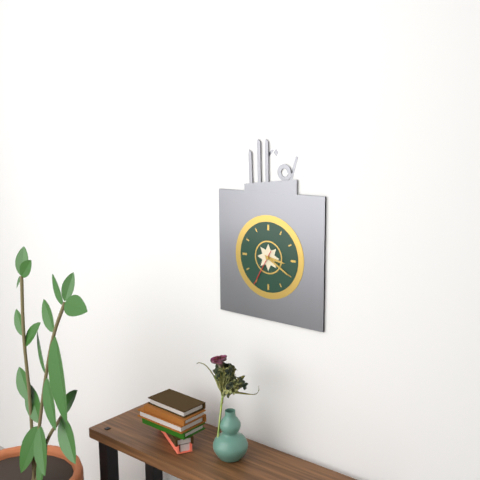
3:20
